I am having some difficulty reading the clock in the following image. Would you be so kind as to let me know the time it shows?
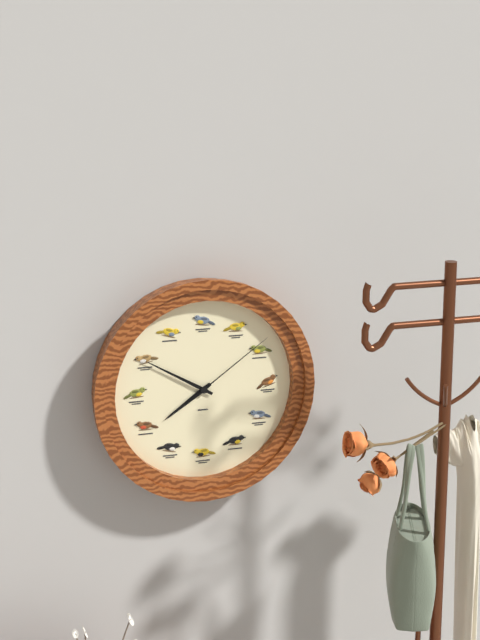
7:50:09
